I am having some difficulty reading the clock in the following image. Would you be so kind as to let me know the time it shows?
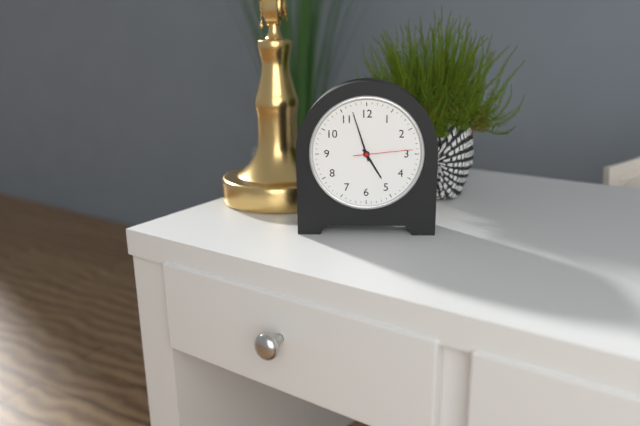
4:57:14
